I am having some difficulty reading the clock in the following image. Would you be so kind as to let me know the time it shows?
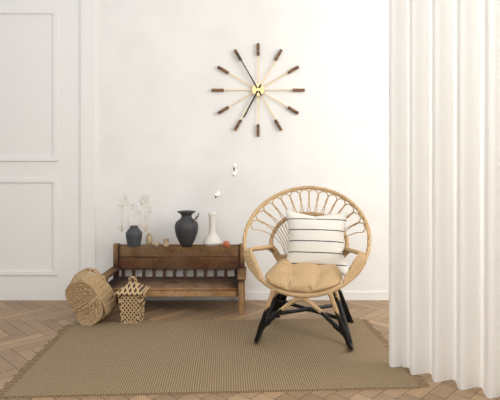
6:55
